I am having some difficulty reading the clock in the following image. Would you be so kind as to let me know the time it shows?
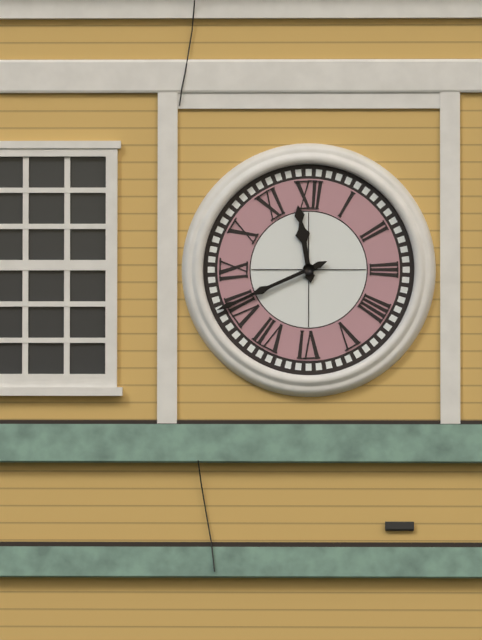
11:41
